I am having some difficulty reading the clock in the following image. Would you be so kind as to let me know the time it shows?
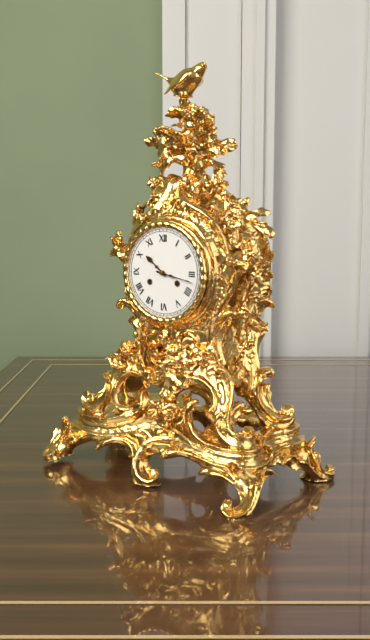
10:17
